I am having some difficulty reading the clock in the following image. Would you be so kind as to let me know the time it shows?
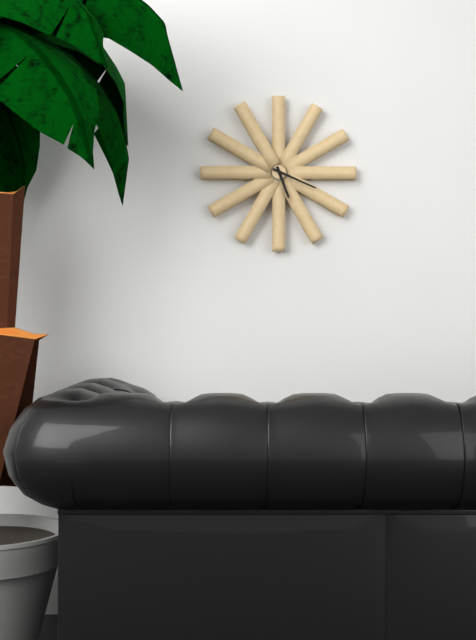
5:19
